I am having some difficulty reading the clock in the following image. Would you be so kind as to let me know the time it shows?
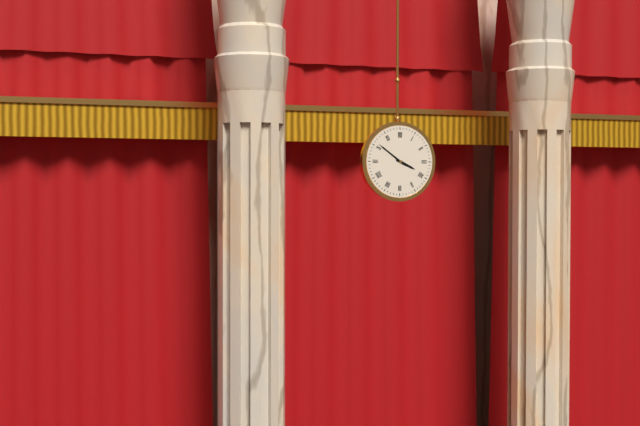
3:51
